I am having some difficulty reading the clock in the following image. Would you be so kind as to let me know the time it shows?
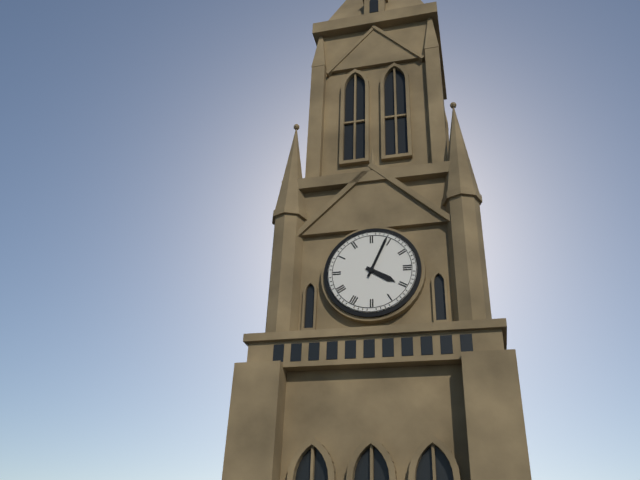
4:04
